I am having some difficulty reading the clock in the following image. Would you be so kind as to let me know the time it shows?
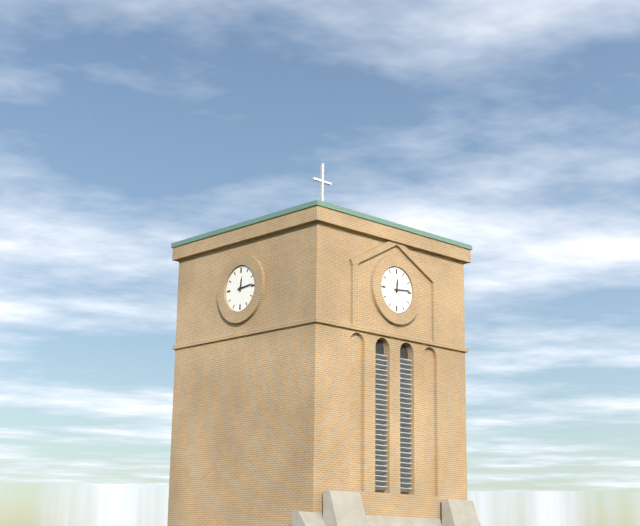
12:14
